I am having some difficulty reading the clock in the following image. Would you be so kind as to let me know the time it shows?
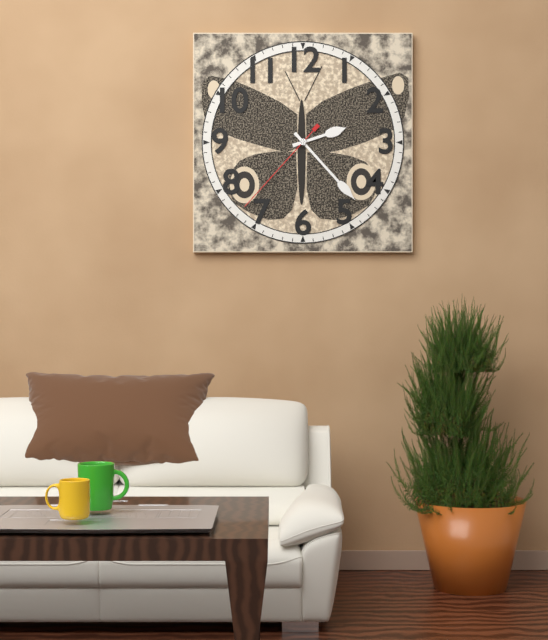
2:23:37
